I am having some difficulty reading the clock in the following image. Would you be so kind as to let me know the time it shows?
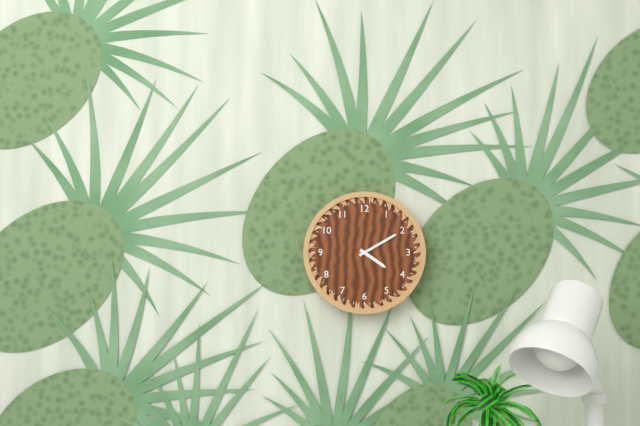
4:10
